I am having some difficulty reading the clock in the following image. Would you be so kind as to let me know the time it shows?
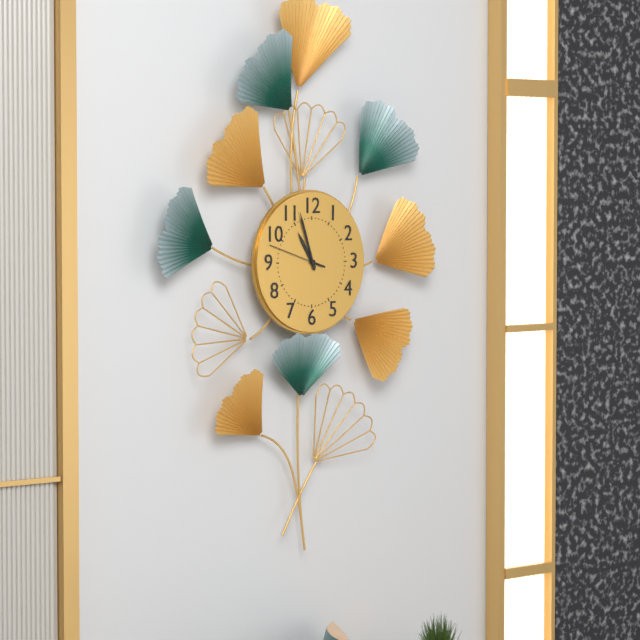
10:57:48
